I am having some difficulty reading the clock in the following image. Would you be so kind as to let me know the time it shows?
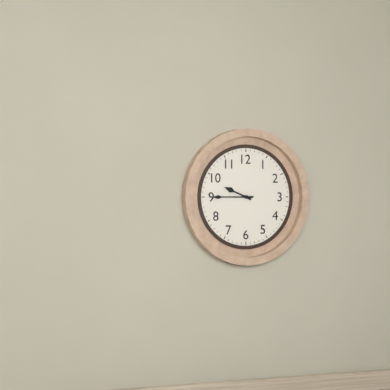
9:45
